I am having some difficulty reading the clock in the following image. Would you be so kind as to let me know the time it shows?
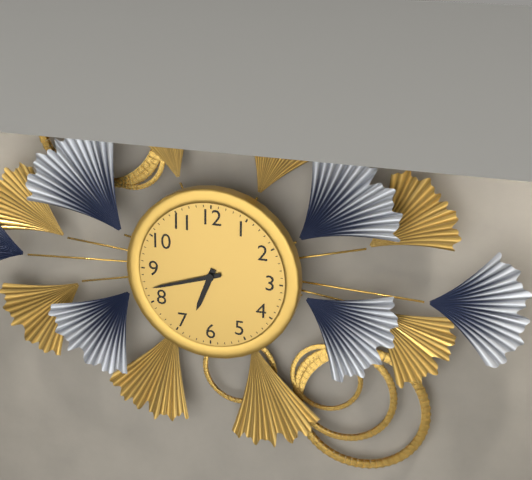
6:42
